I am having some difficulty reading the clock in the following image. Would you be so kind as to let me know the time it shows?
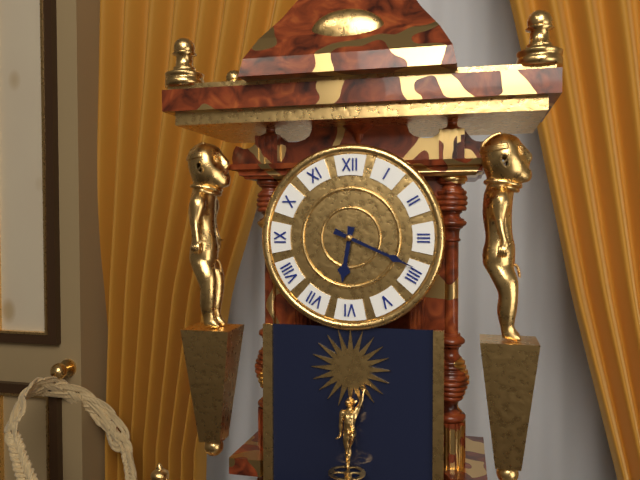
6:19
